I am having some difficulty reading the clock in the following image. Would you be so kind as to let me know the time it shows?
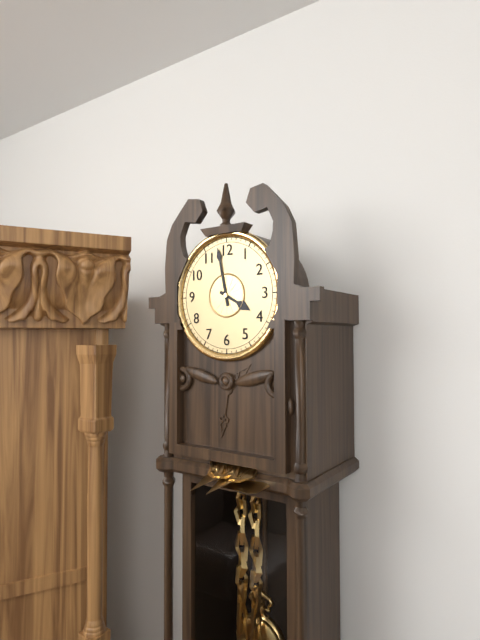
3:58
